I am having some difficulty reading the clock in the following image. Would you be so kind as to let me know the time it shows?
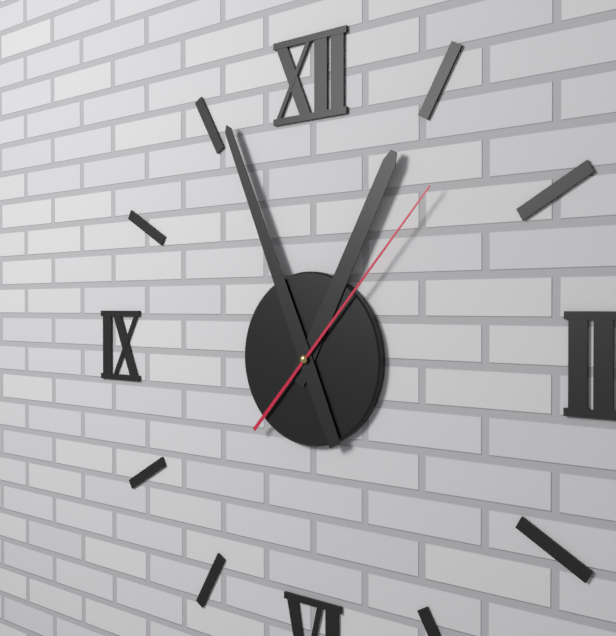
12:56:07
